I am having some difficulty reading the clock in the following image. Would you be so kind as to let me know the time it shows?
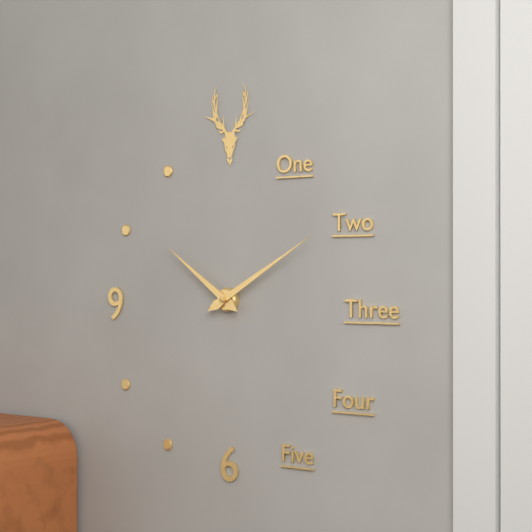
10:10
